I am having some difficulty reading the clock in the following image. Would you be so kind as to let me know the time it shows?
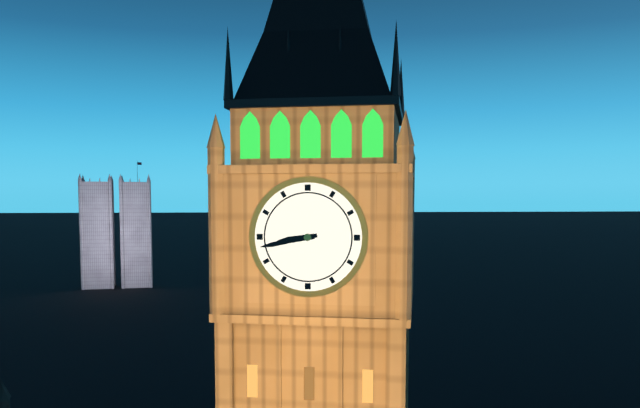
8:43
